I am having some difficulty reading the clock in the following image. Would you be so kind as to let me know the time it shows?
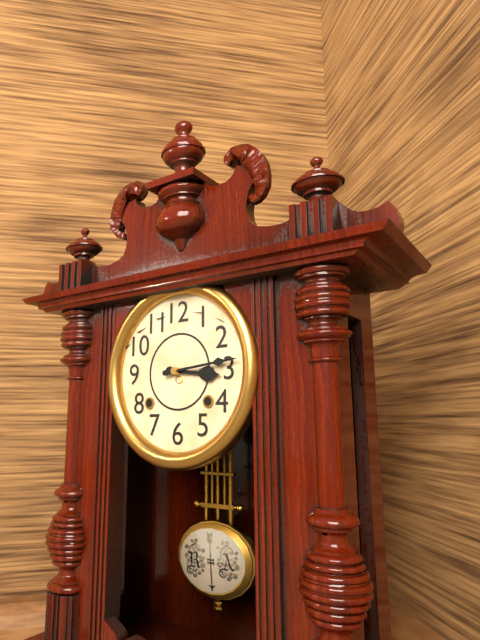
3:14
